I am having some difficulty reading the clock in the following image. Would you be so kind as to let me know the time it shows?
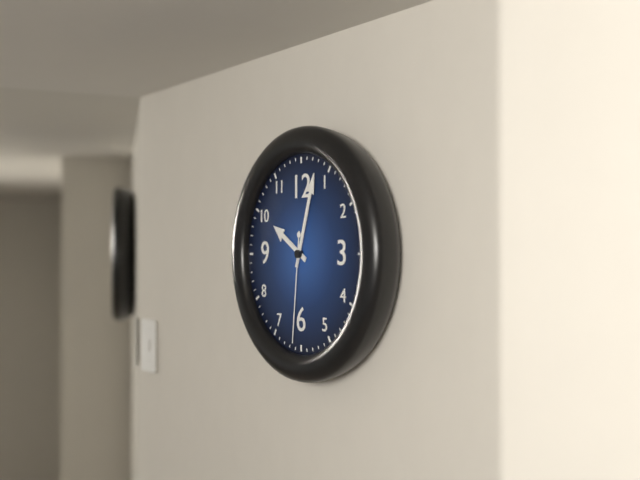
10:03:31
